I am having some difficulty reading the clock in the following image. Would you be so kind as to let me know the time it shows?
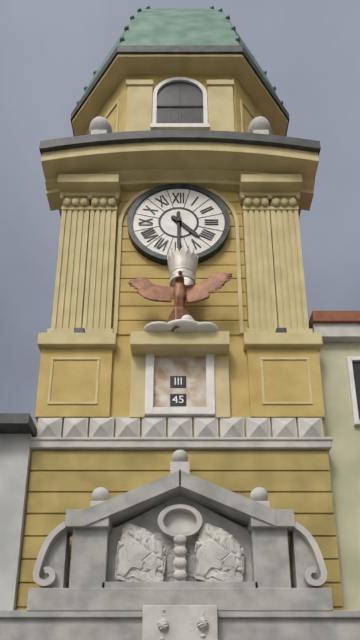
4:30
